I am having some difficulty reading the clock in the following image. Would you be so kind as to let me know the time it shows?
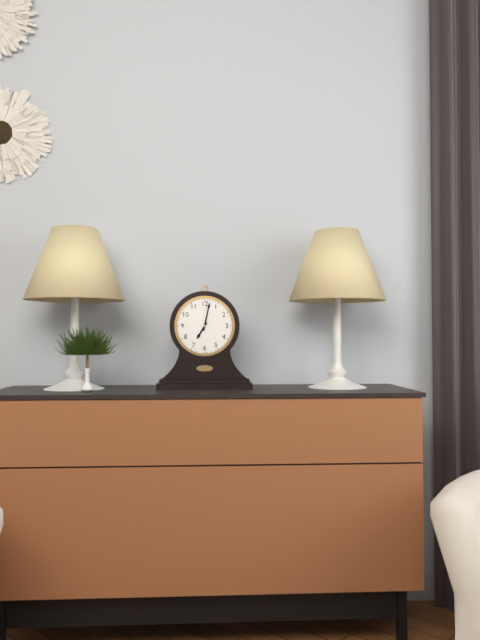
7:02
